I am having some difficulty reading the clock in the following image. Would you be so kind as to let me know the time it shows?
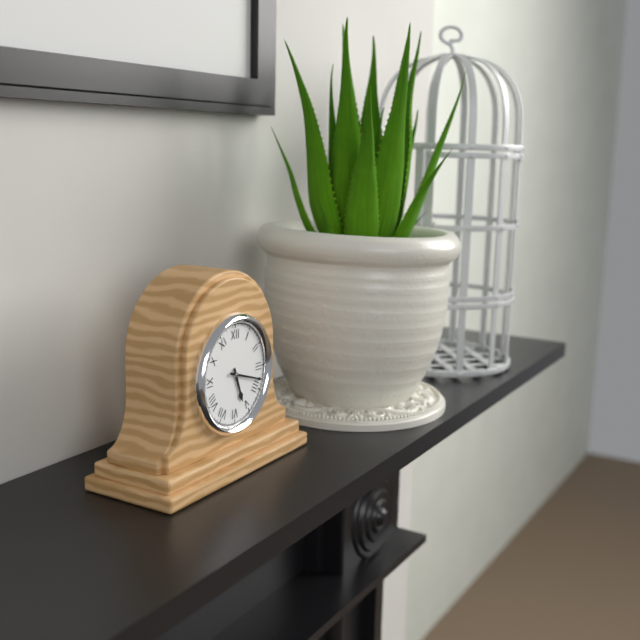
5:18
